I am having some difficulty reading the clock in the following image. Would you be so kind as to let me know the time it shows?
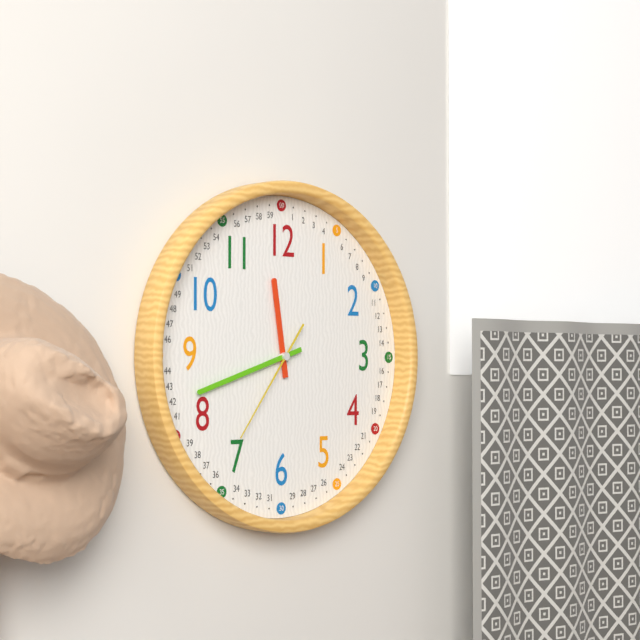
11:42:36
